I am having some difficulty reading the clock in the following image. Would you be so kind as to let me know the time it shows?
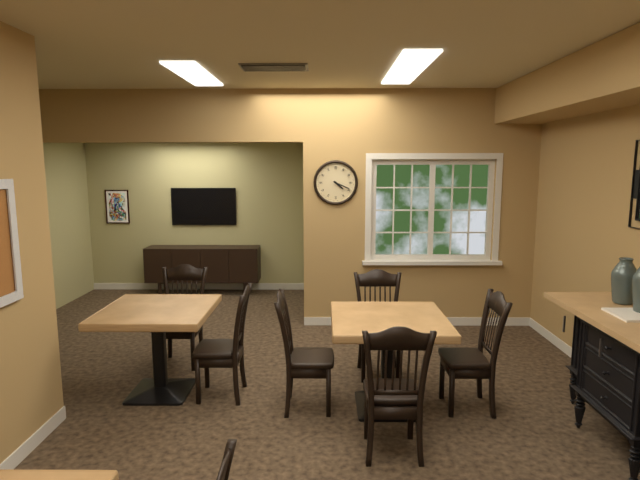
4:19
